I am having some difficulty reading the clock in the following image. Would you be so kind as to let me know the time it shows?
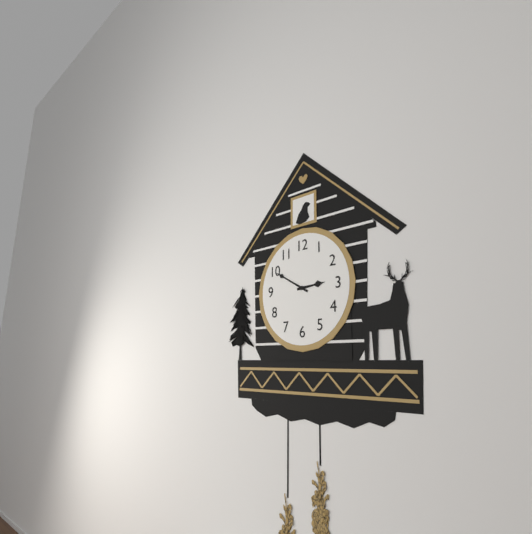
2:50
